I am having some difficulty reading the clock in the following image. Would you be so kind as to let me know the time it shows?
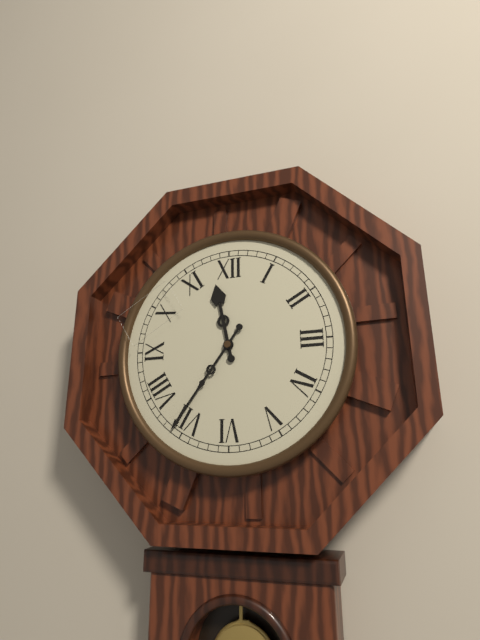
11:36
